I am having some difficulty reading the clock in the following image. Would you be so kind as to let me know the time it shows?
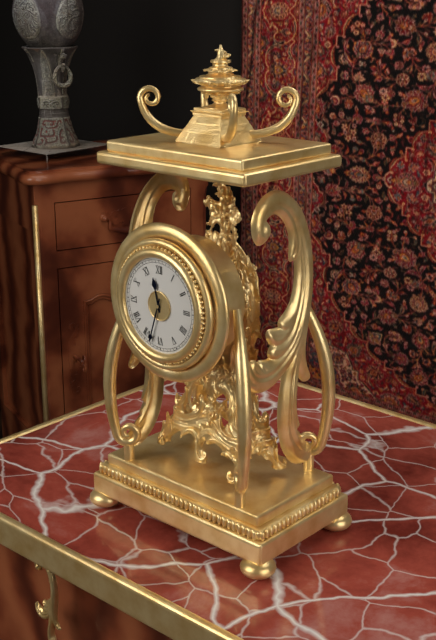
11:33
